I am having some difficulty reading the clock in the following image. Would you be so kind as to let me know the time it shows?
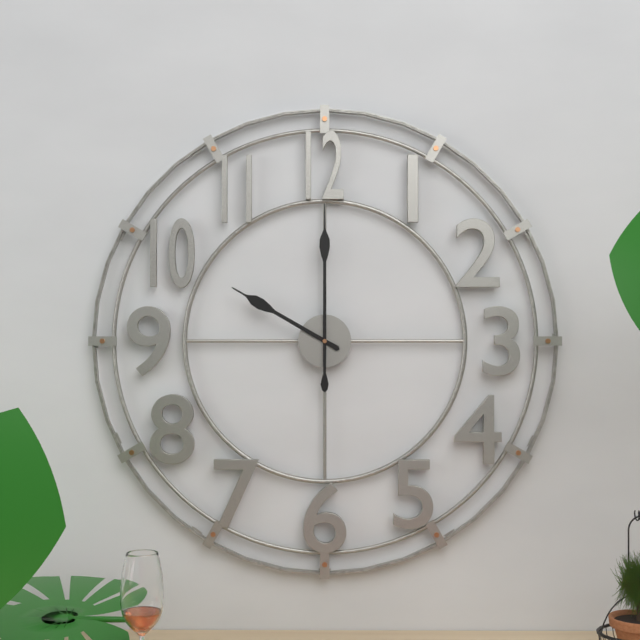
10:00
